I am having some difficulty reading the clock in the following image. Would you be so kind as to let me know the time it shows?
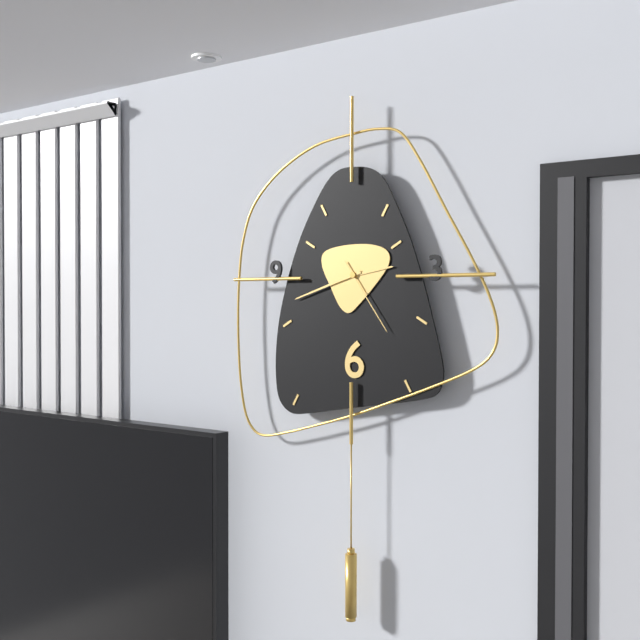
2:42:24
